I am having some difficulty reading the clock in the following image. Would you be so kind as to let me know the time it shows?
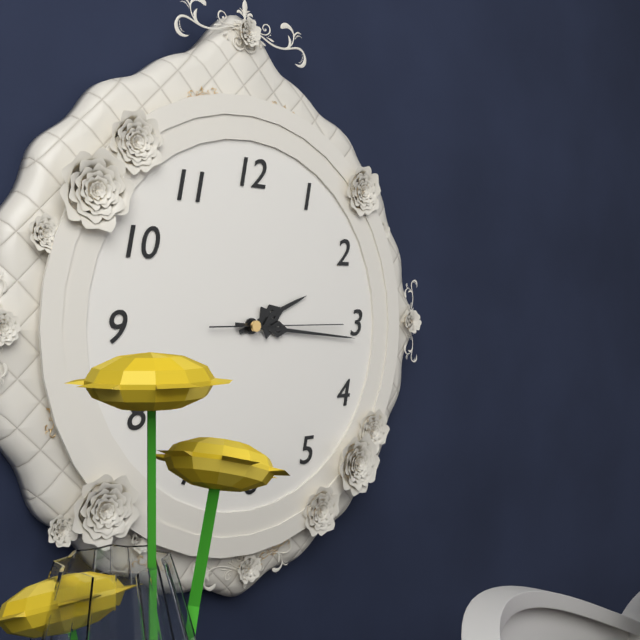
2:16:15
